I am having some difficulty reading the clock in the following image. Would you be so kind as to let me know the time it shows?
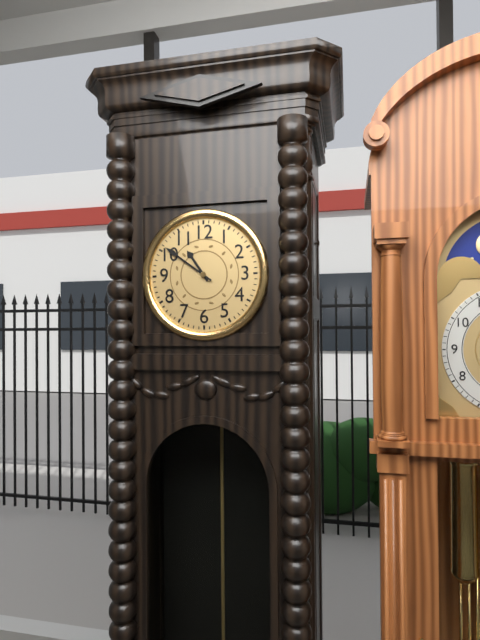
10:51
